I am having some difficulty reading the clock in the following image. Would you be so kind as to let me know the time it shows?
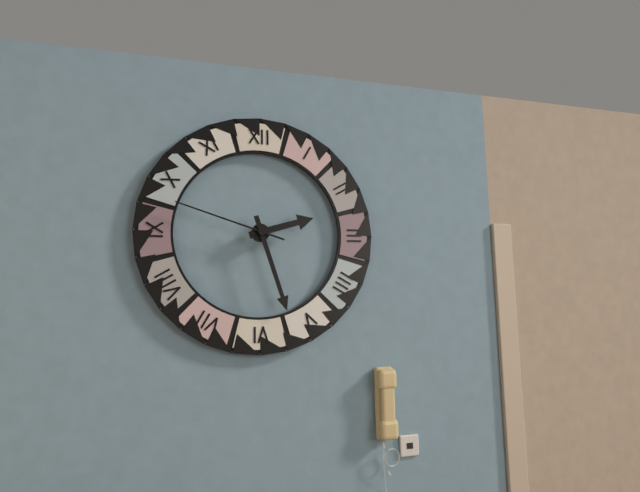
2:27:48
